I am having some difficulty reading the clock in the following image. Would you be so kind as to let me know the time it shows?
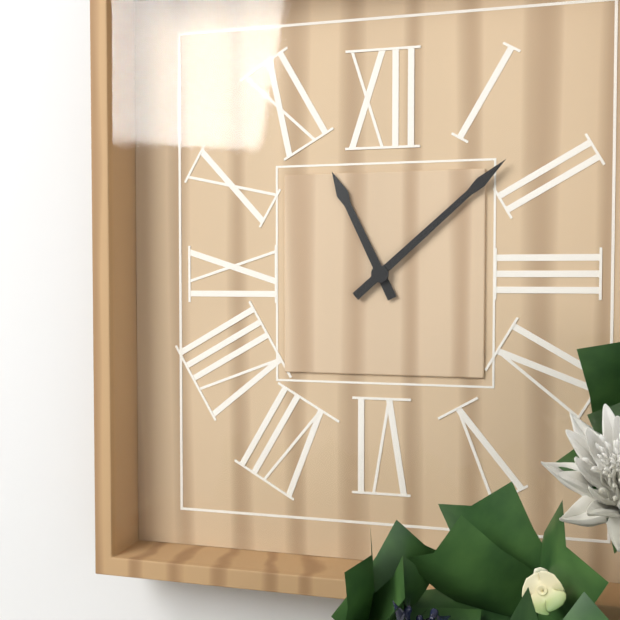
11:08
